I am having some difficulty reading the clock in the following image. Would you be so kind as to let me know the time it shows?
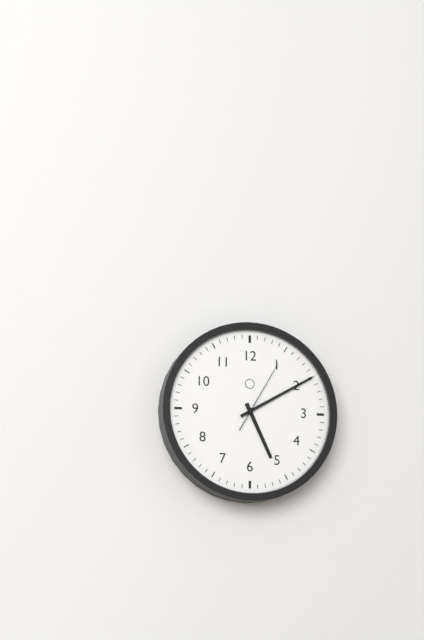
5:10:05
